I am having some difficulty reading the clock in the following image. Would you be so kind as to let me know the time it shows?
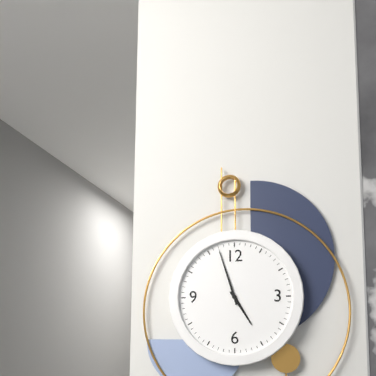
4:57
